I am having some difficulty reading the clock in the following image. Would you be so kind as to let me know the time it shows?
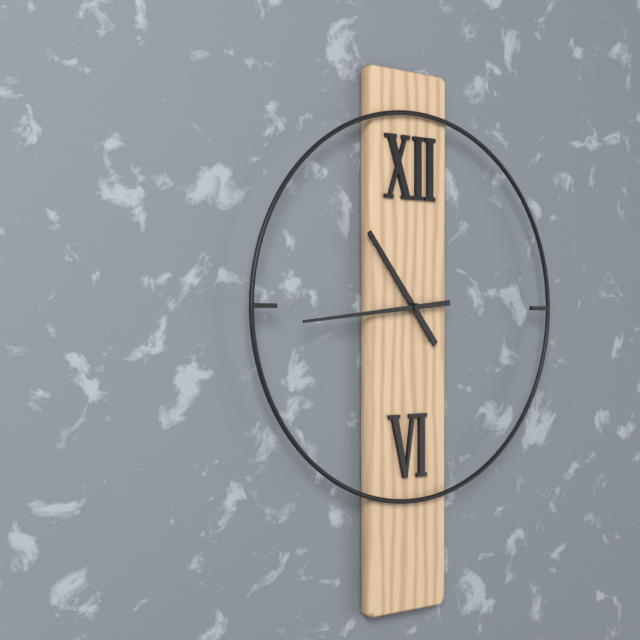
10:44
